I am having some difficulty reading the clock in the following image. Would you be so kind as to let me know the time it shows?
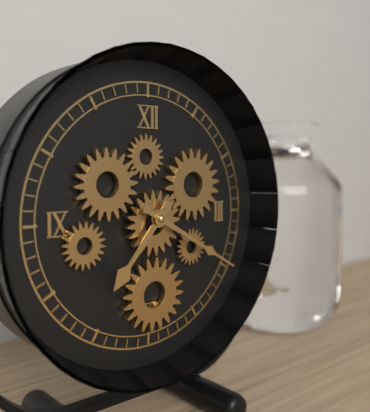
7:20
